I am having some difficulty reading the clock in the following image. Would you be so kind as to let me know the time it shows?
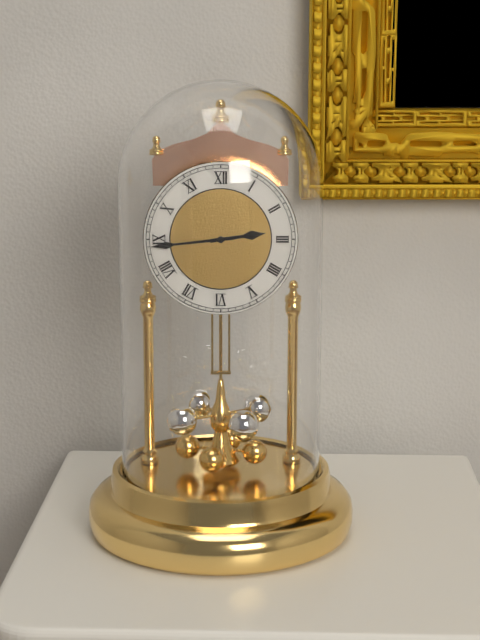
2:44
